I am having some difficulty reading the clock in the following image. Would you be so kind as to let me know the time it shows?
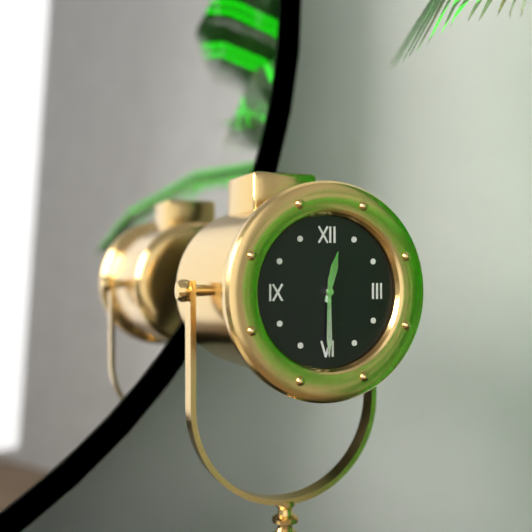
12:30
